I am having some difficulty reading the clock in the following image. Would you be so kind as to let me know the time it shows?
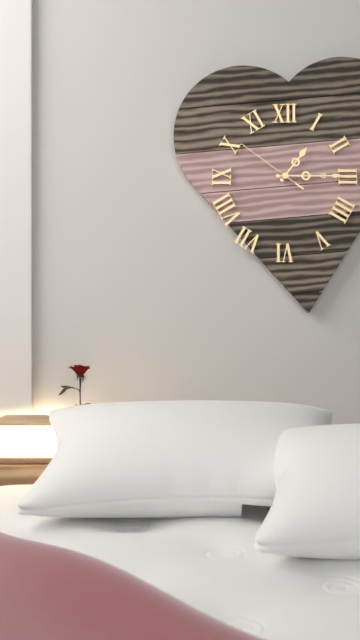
1:15:51
